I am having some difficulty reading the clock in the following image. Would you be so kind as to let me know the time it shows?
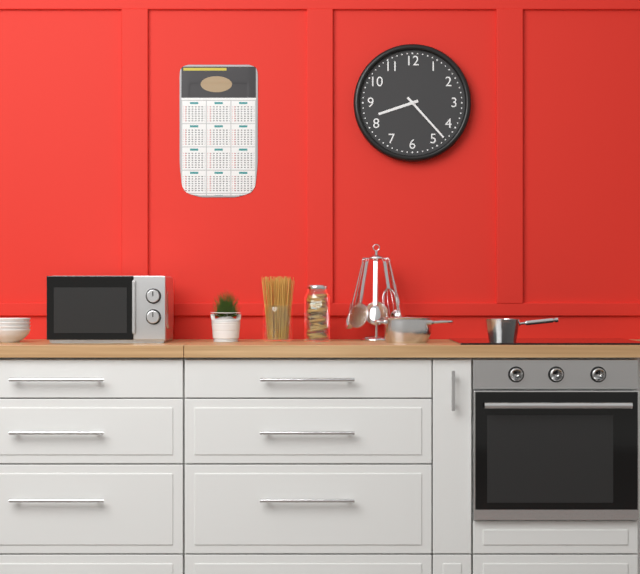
8:23
